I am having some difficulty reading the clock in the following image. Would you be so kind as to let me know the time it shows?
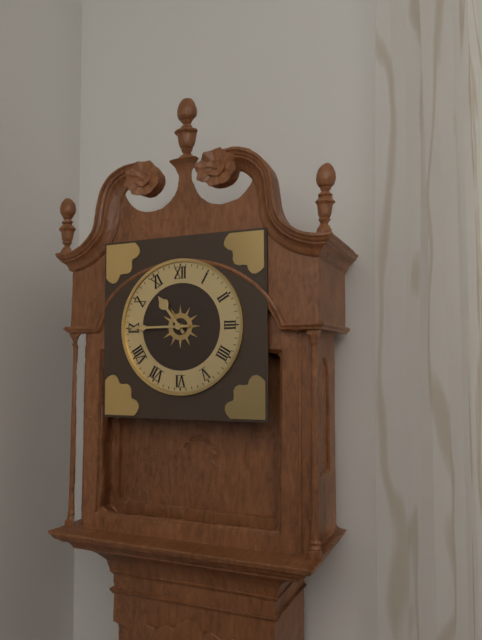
10:45
